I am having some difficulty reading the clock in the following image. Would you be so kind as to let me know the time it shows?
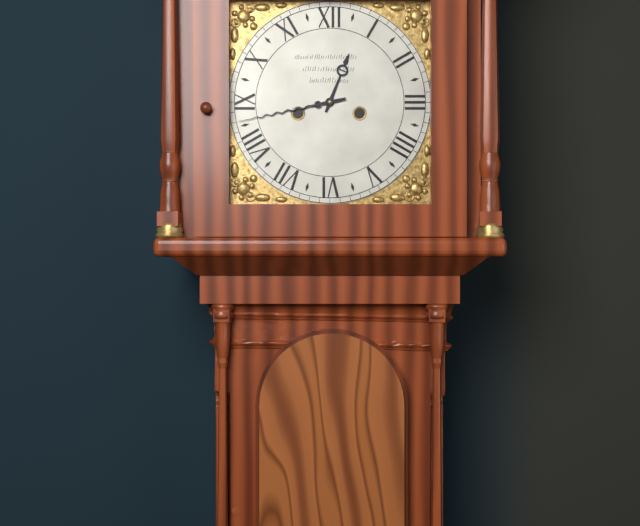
12:43
